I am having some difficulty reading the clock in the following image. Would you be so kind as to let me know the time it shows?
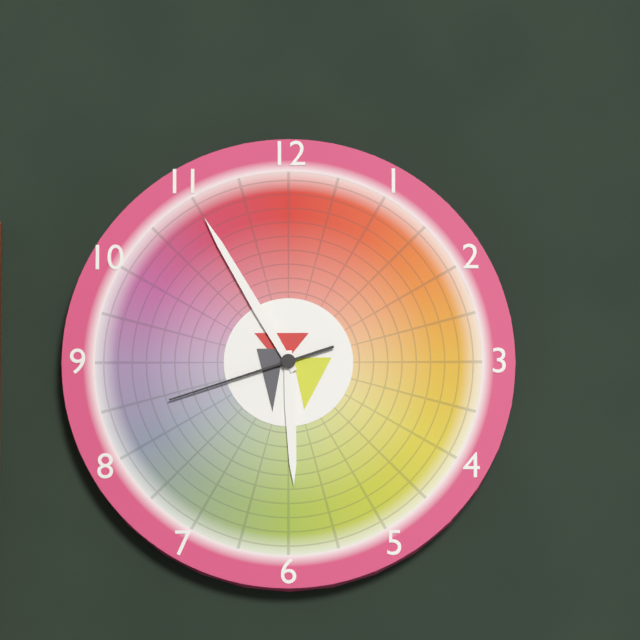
5:55:42
